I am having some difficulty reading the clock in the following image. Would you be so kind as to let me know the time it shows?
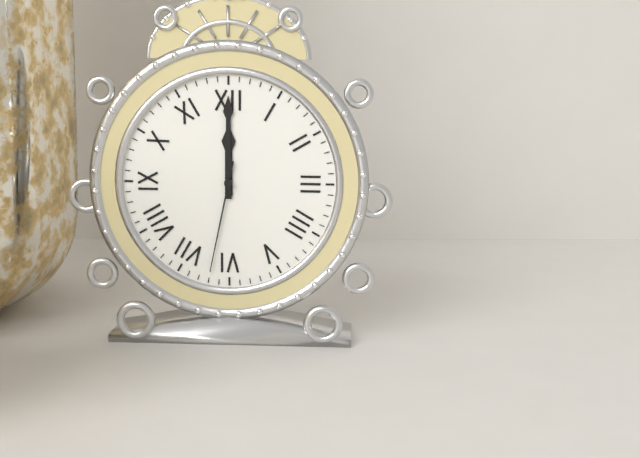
12:00:32
